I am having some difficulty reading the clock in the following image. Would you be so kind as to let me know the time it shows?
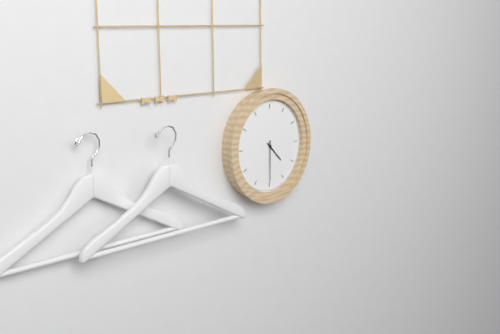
4:30
